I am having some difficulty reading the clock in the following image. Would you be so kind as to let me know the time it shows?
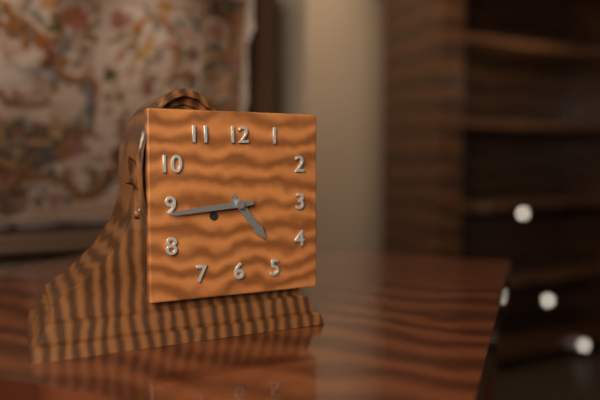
4:44
